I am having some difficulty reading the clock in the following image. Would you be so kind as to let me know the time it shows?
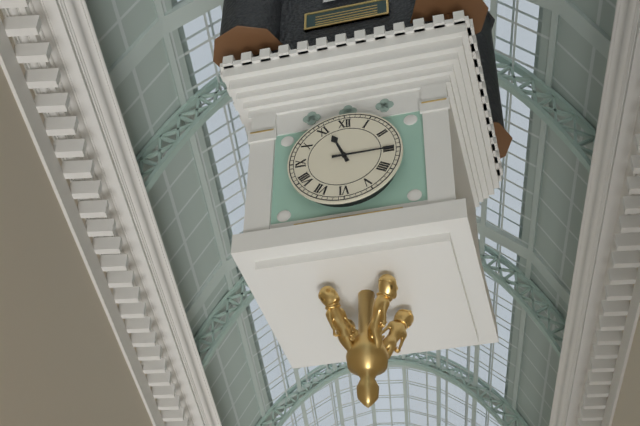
11:15
